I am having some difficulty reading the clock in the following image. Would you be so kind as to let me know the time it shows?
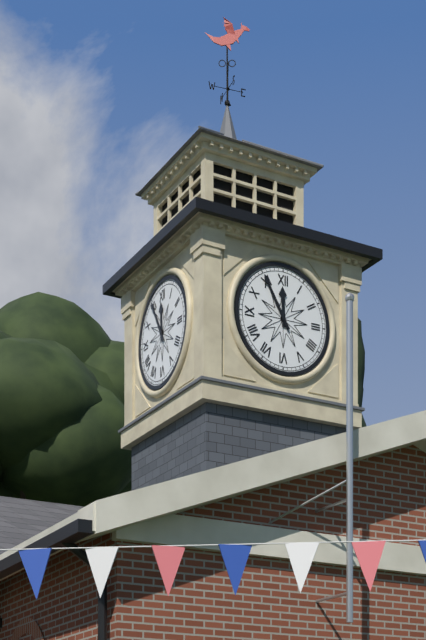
11:55
